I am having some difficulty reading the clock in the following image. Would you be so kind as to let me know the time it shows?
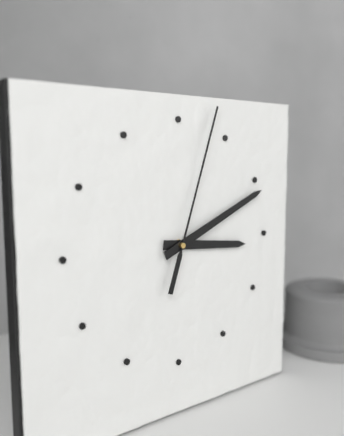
3:11:03
